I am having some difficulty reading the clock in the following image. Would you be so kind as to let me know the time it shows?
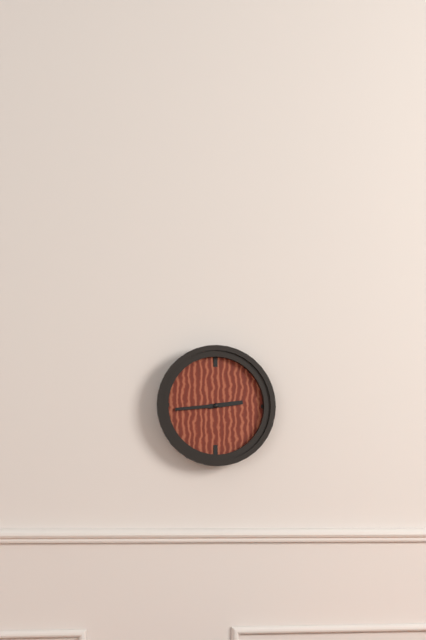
2:44
